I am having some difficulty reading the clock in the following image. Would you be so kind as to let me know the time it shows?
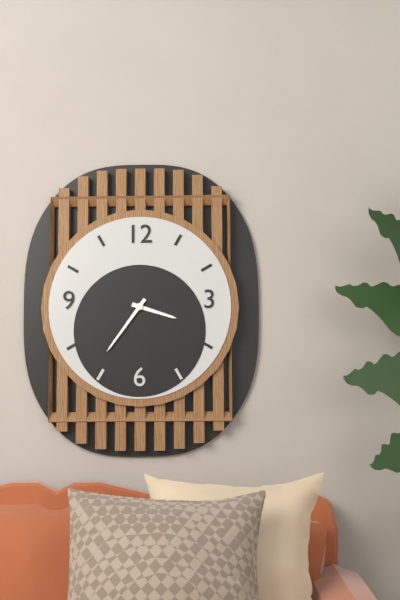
3:36
